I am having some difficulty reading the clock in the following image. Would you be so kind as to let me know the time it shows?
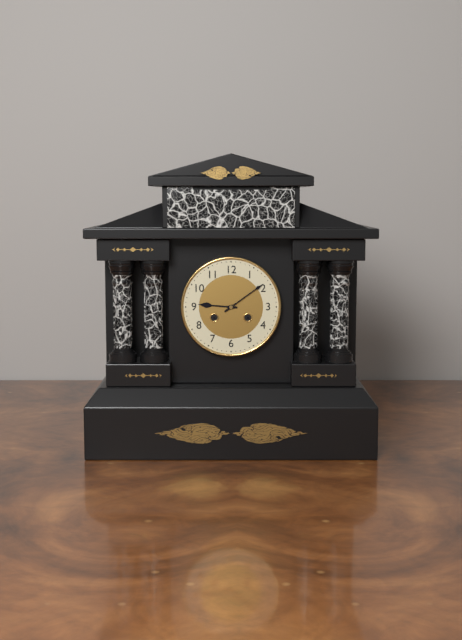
9:09
